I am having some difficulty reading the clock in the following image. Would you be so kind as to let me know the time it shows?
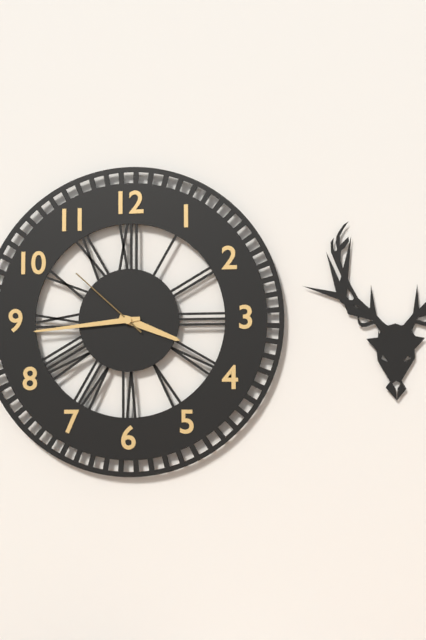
3:44:52
